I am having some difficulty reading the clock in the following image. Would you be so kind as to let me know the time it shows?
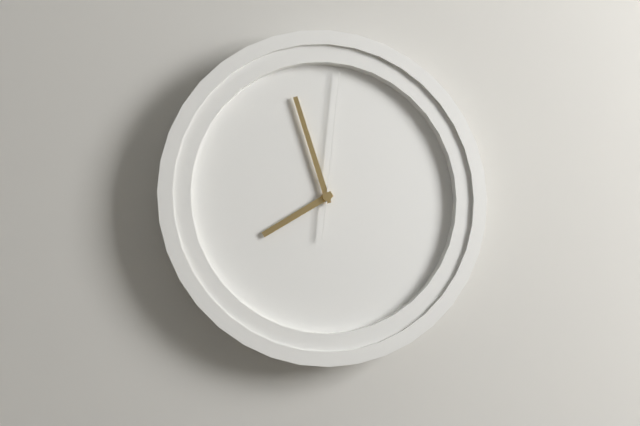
7:57:01
